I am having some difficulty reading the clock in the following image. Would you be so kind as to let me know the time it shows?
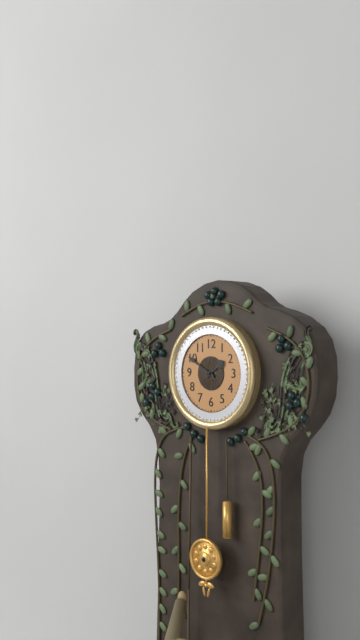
1:50
